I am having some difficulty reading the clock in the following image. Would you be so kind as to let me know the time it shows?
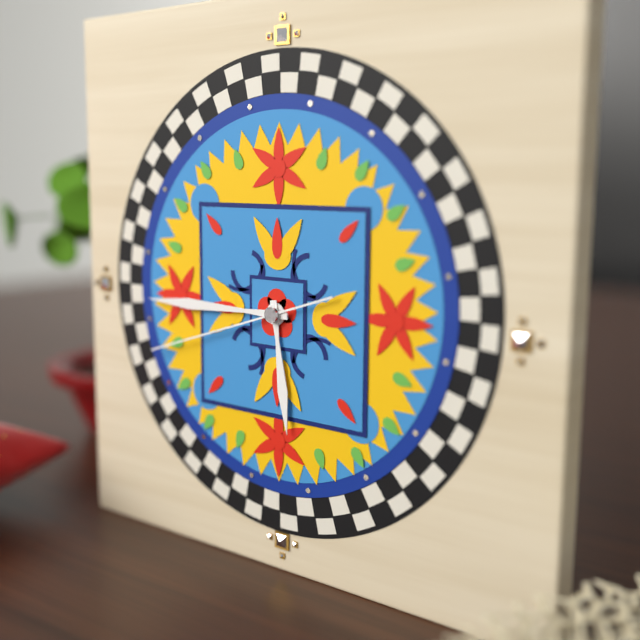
5:45:42
